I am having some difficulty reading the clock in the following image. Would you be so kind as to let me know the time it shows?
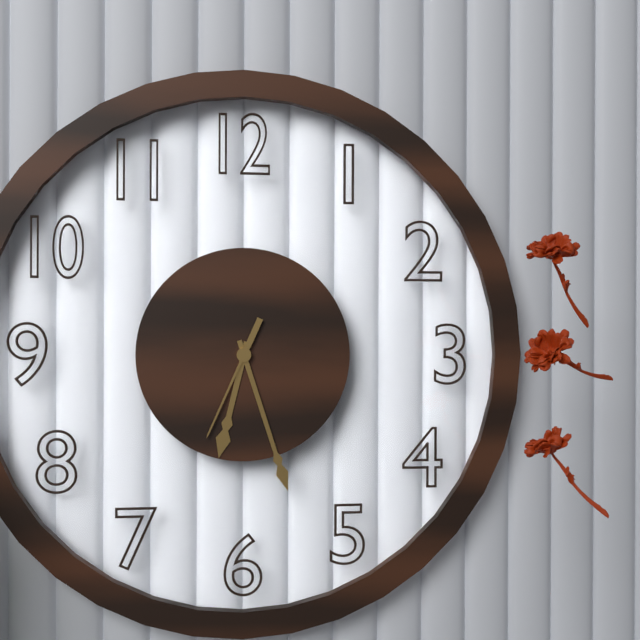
6:27:34
